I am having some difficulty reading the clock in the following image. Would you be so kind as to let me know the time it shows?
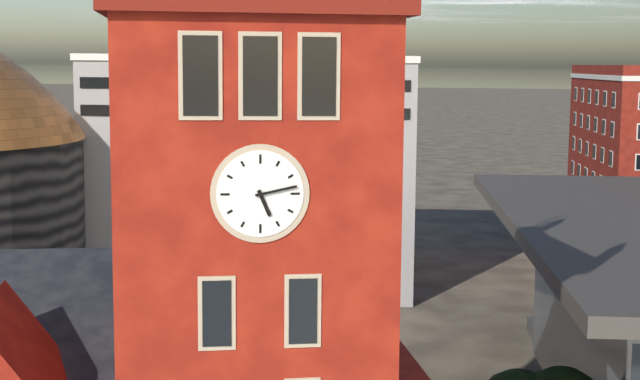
5:13
